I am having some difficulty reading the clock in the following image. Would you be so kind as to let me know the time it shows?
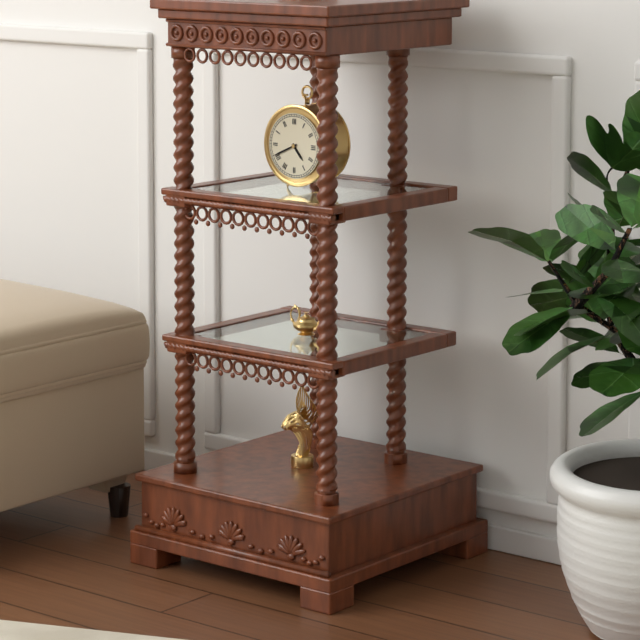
4:41
